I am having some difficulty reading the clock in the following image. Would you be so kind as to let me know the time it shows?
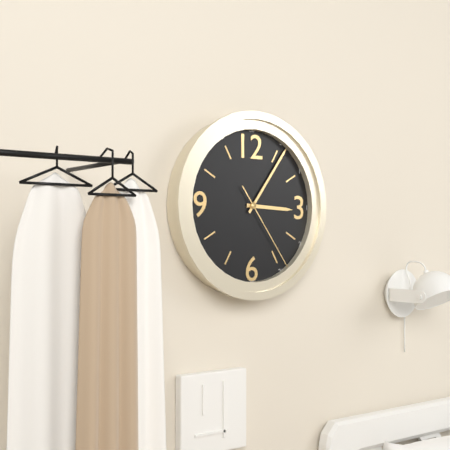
3:06:24
